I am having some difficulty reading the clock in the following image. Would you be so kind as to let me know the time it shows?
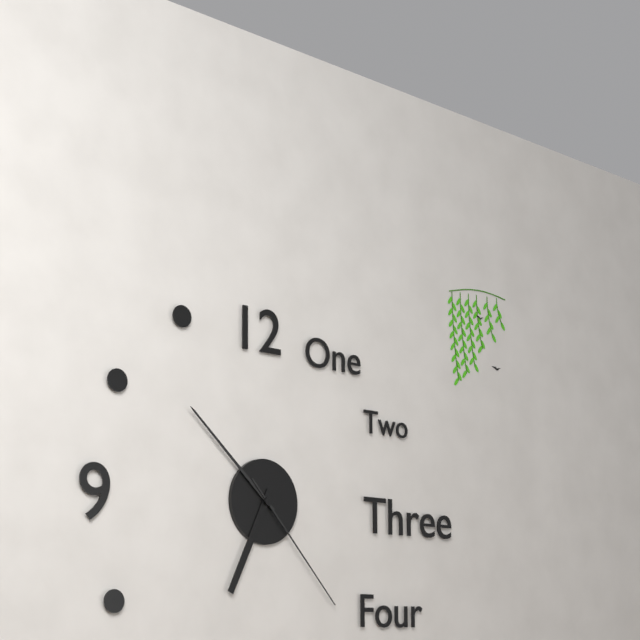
6:52:23
